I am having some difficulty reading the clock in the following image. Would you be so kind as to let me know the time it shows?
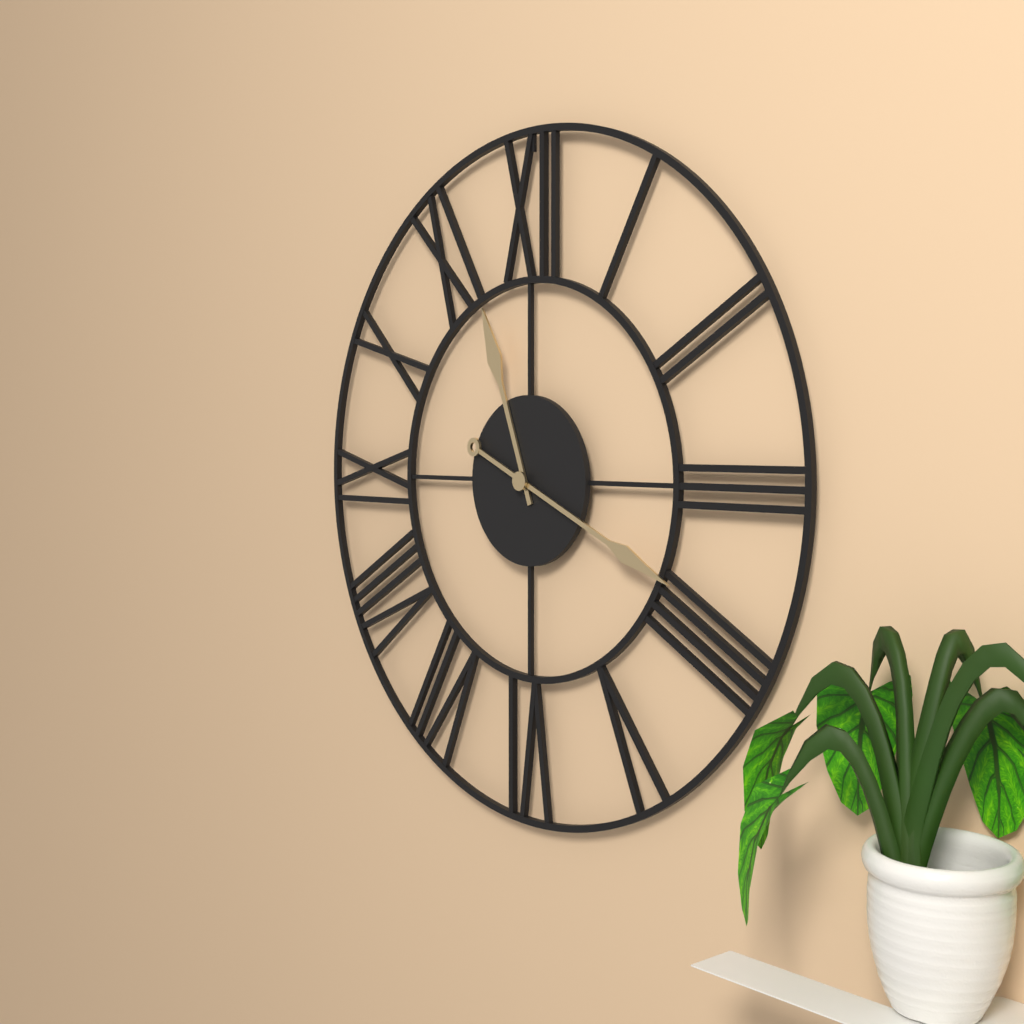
11:19
